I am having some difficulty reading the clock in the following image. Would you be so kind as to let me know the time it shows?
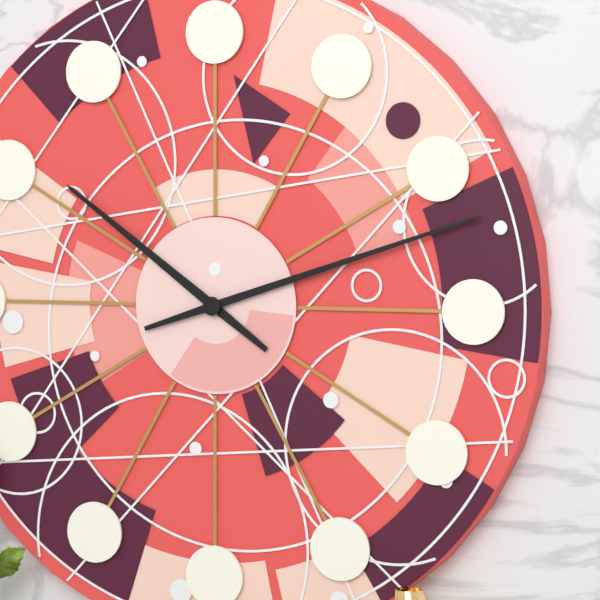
10:12
